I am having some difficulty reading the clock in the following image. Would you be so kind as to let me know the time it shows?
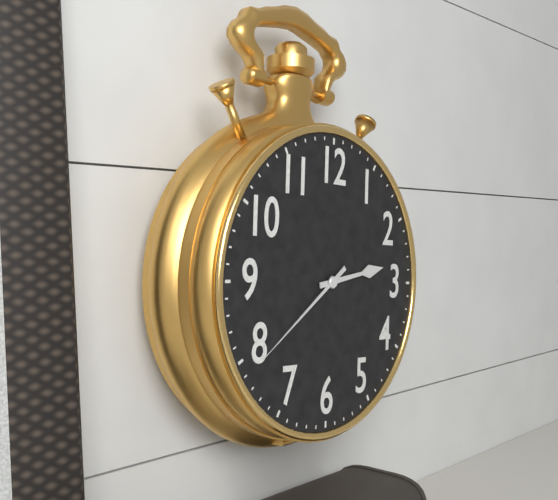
2:39
